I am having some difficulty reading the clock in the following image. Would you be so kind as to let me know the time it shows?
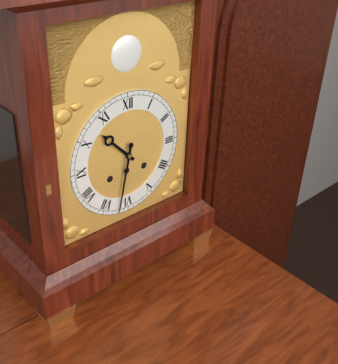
10:32
